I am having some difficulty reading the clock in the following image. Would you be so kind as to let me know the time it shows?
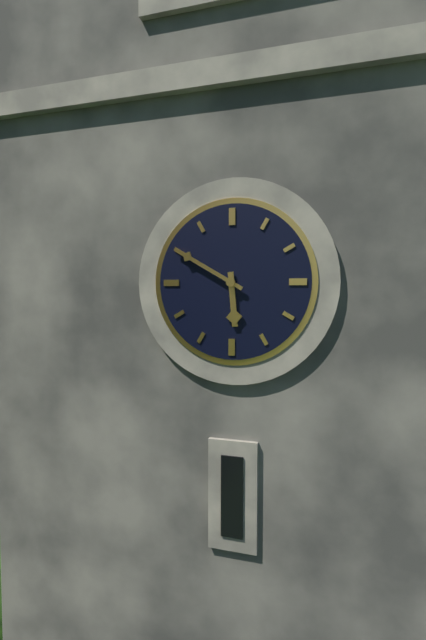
5:50
